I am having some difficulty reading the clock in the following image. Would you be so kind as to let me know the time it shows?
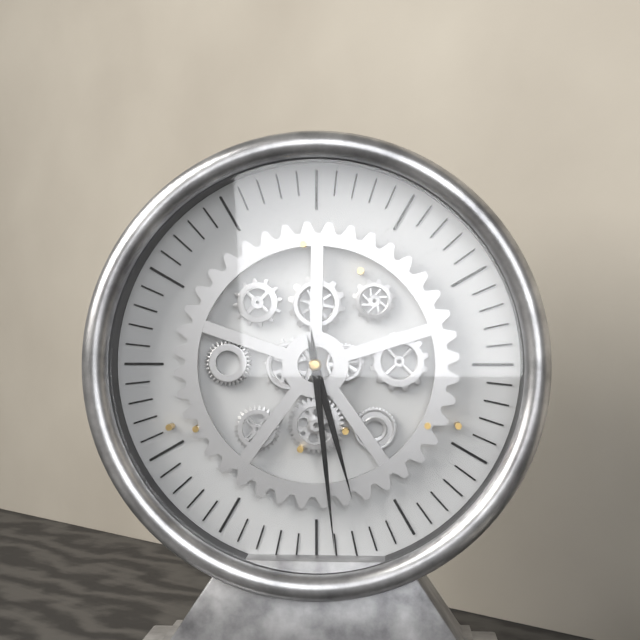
5:29
